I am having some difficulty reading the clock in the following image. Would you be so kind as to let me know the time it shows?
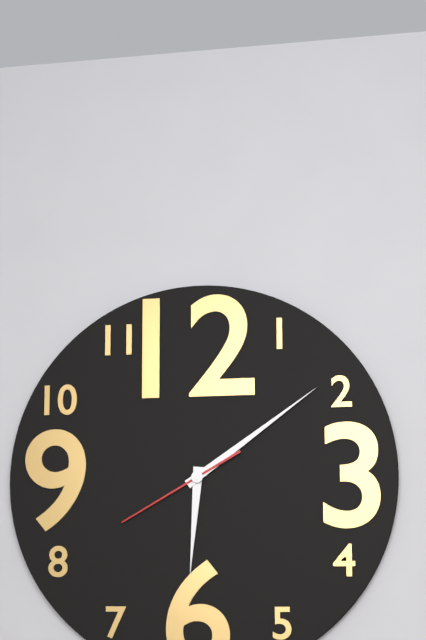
6:09:40
